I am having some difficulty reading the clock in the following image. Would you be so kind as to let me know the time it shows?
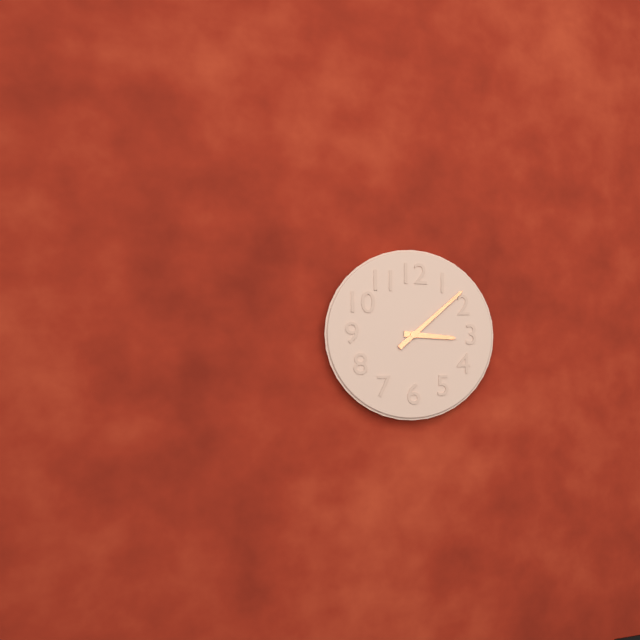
3:08
